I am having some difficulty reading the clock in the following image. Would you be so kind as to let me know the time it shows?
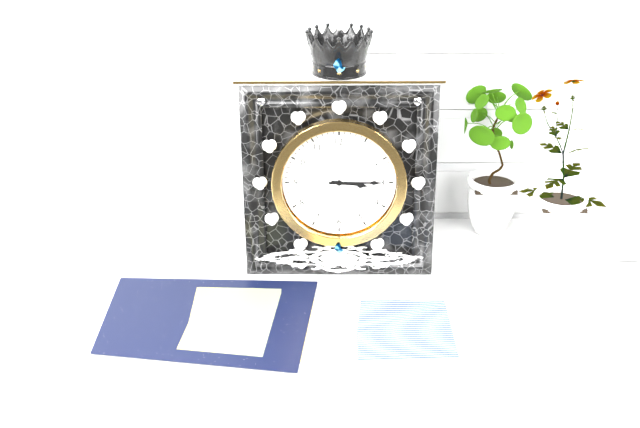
3:15
